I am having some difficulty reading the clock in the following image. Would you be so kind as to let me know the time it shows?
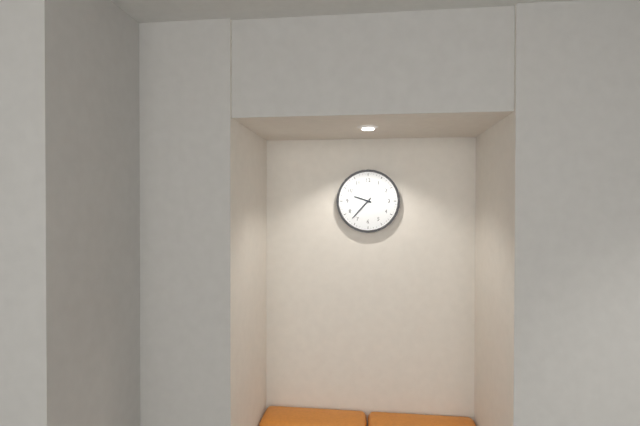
9:37
